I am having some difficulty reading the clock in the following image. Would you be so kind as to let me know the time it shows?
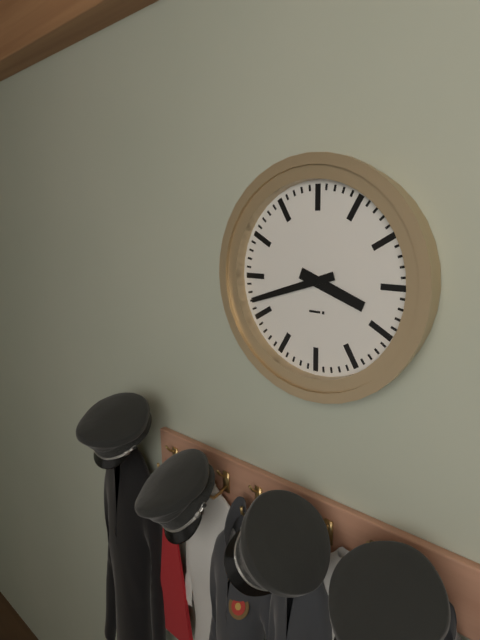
3:42
